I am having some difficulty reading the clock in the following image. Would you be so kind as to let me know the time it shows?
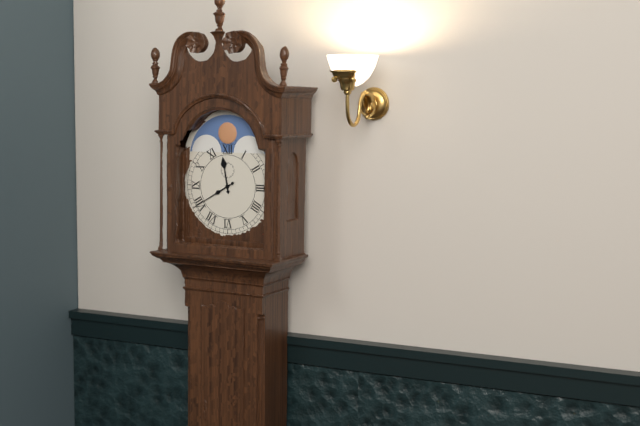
11:40
